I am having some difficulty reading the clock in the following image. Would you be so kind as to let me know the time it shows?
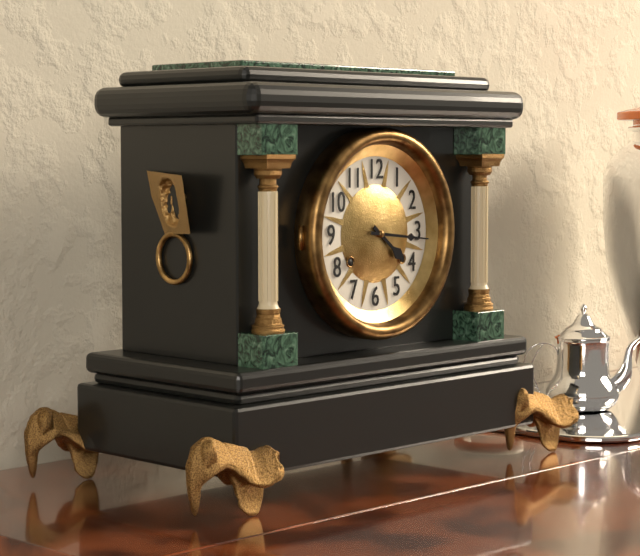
4:16
